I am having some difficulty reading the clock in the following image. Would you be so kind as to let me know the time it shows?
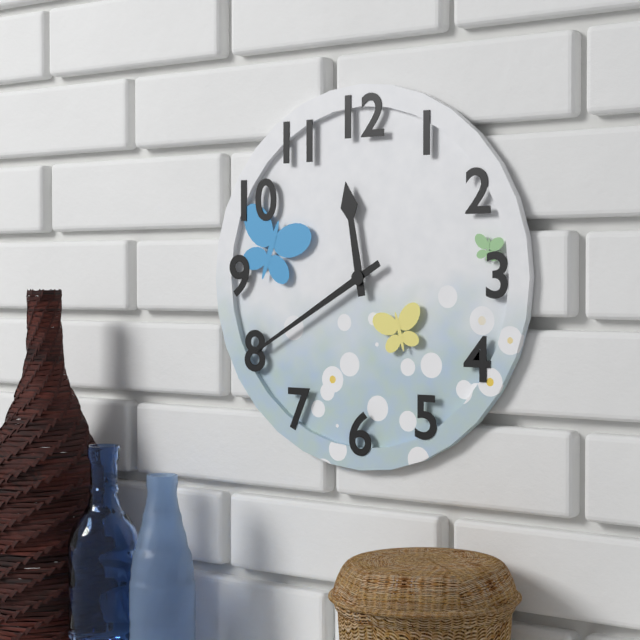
11:40
